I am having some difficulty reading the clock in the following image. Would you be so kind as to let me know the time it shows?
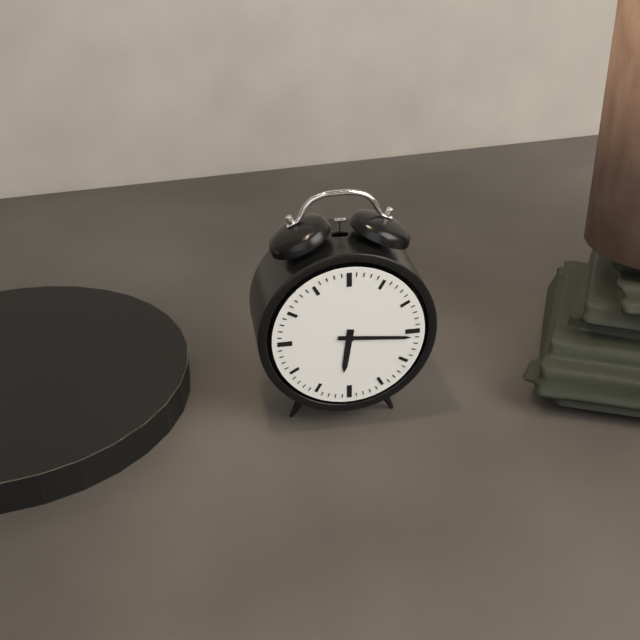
6:16
